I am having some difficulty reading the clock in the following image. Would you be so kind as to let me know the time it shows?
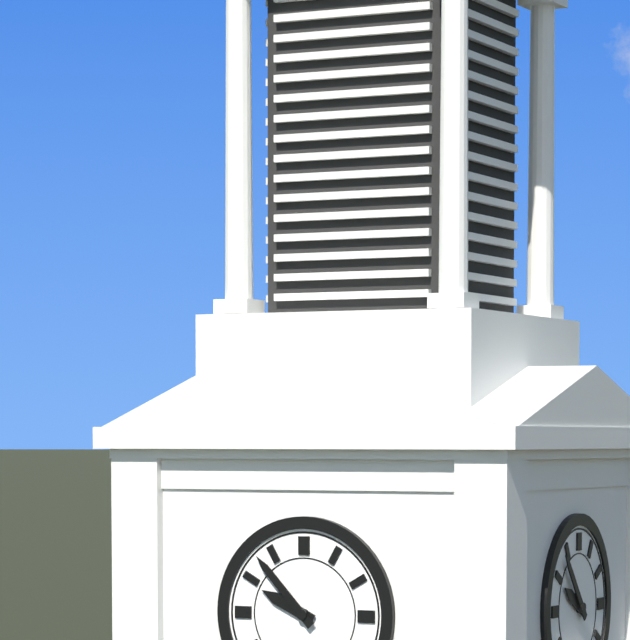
9:53
